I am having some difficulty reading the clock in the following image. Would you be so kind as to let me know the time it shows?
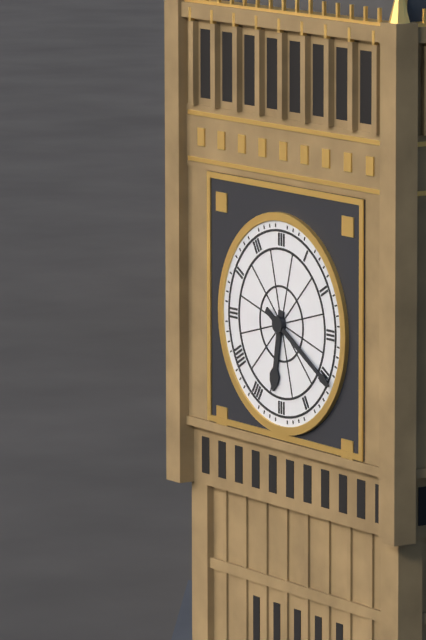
6:20
